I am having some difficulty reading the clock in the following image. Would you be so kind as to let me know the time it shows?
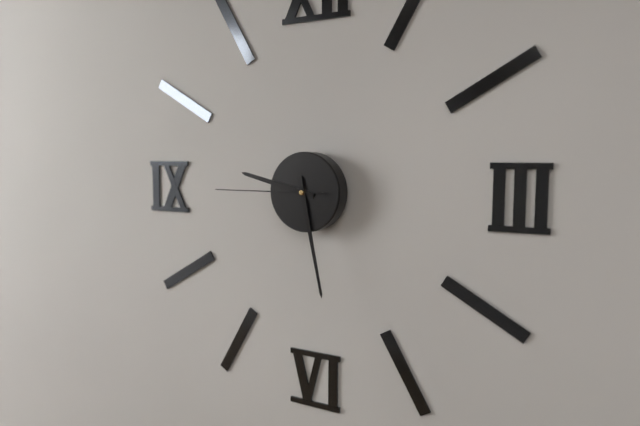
9:28:45
